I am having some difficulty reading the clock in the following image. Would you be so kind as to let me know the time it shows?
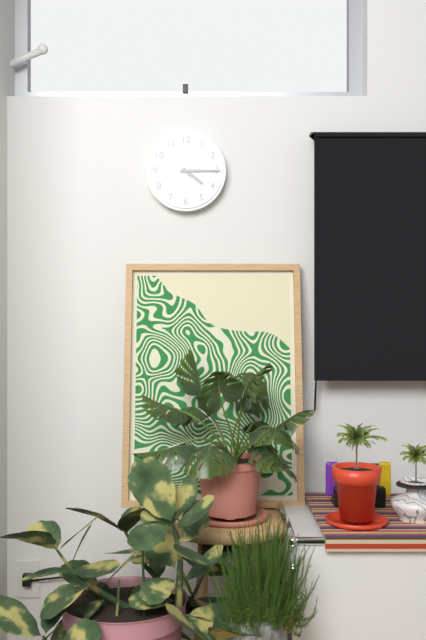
4:15
